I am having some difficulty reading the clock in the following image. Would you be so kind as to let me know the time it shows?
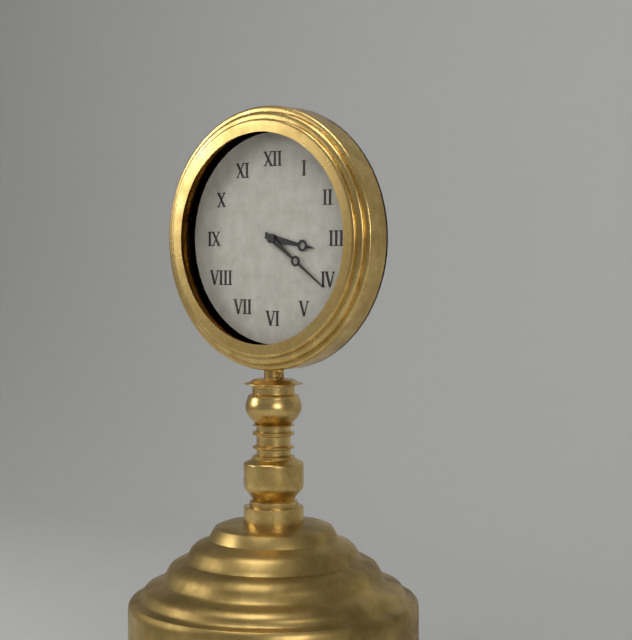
3:21
